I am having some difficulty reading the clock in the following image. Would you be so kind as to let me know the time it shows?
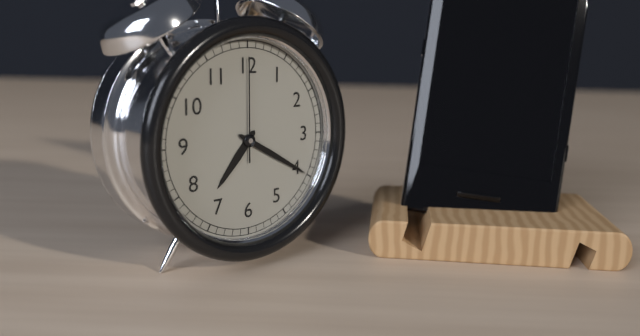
7:20:00
